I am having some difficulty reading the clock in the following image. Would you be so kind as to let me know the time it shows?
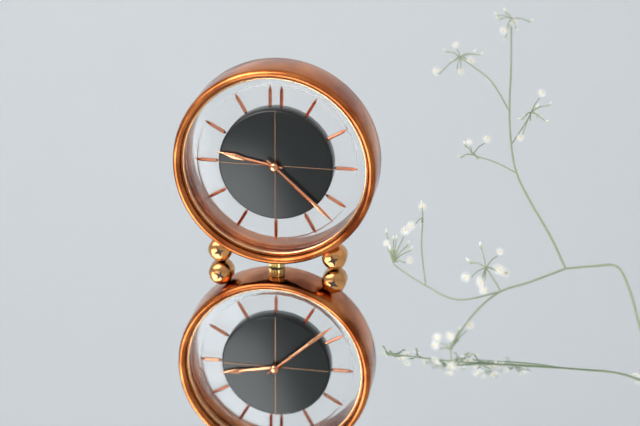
9:22
